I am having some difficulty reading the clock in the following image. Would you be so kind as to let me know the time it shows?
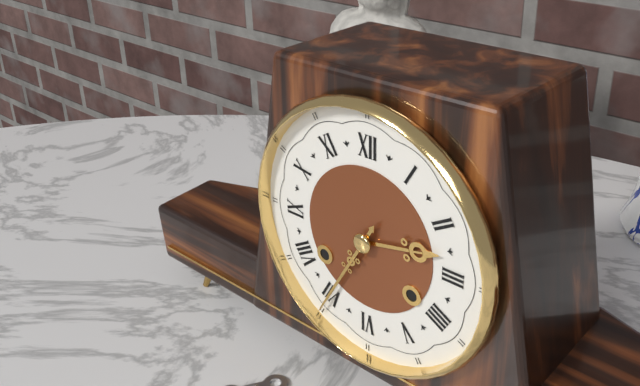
2:35
